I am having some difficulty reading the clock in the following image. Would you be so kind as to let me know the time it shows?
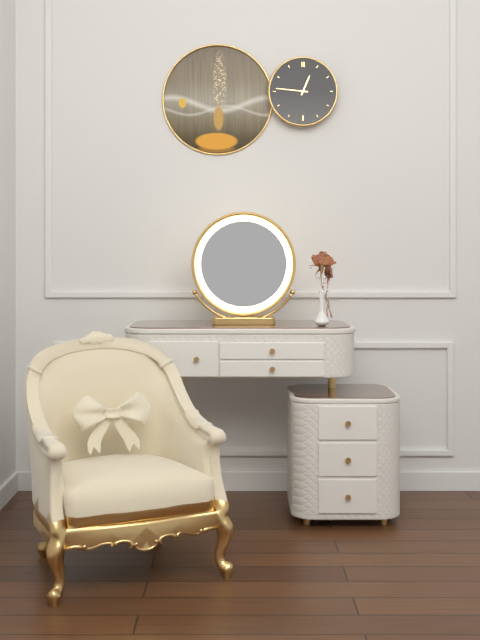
12:46
